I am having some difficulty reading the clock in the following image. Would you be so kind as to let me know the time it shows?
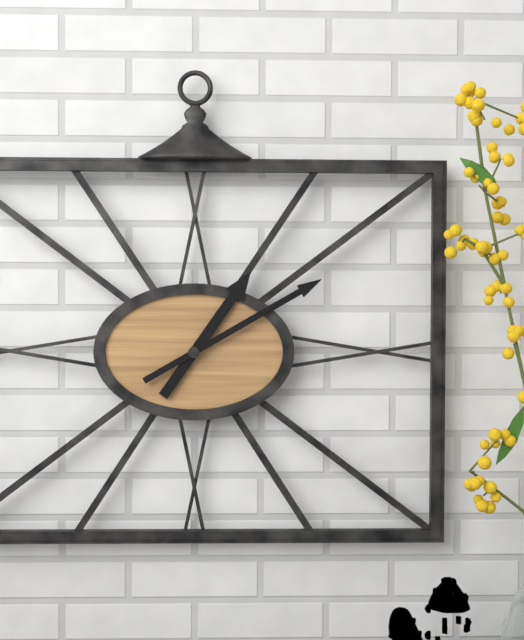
1:10
